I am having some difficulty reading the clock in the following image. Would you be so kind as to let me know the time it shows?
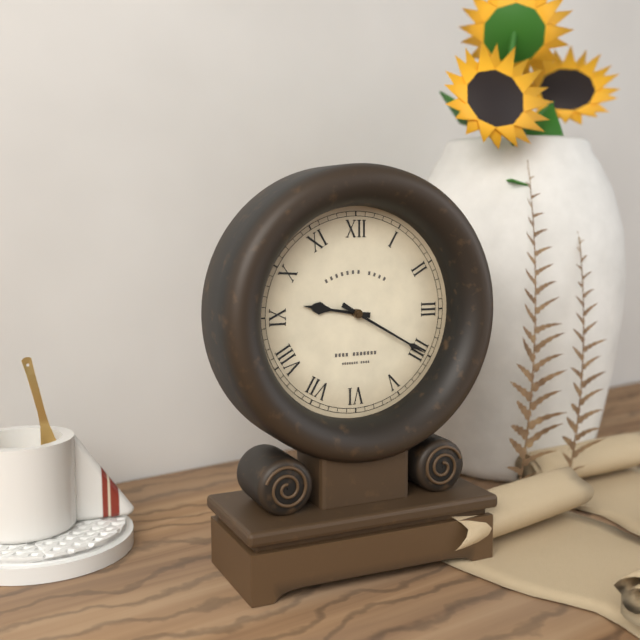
9:20
